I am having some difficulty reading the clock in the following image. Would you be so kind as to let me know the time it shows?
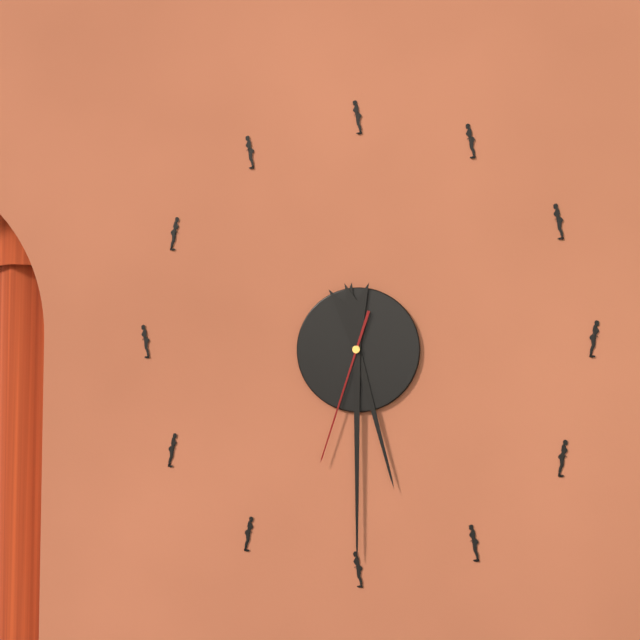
5:30:33
